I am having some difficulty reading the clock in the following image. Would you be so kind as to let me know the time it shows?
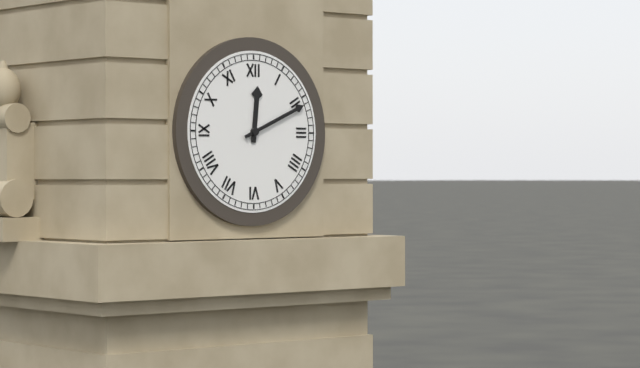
12:11
